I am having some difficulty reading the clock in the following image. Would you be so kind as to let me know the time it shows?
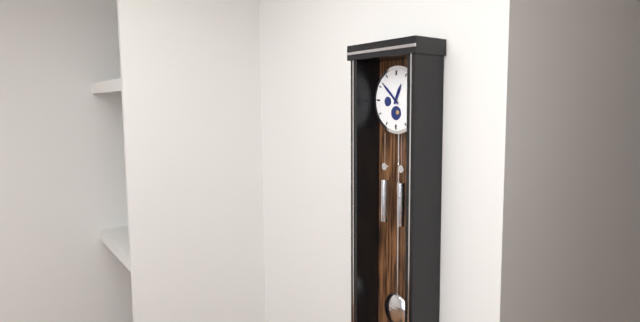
12:52
